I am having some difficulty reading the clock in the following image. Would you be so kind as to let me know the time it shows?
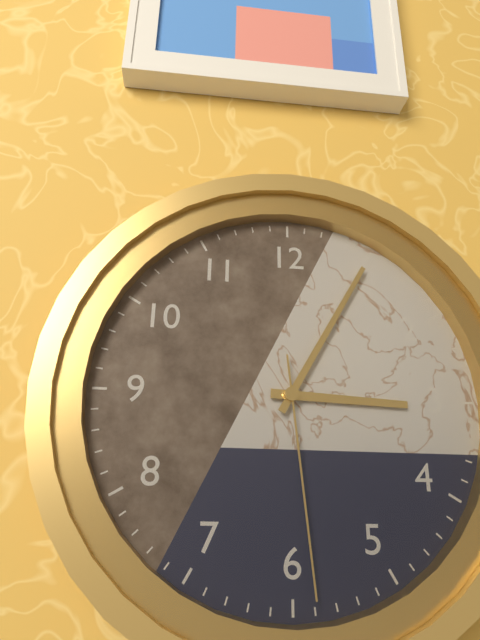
3:05:29
